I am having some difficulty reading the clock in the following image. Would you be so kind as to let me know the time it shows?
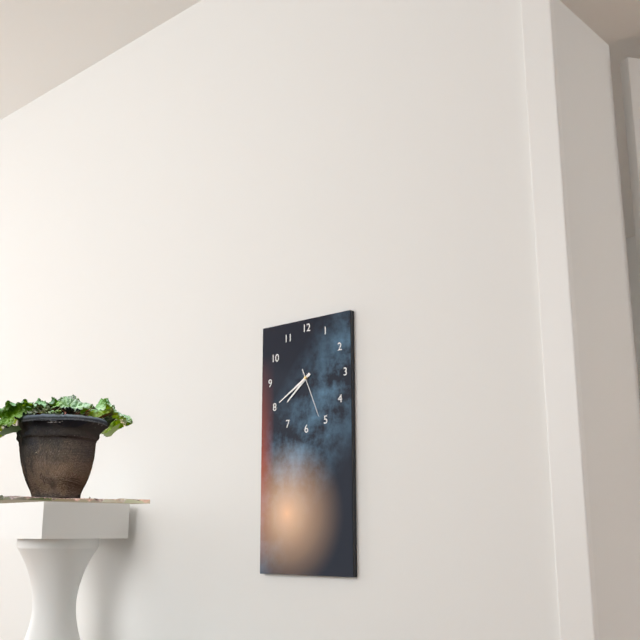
7:40:26
